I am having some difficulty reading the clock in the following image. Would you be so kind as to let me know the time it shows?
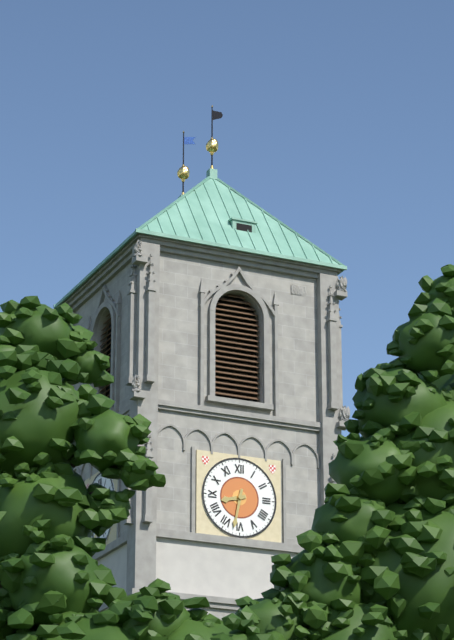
8:32
